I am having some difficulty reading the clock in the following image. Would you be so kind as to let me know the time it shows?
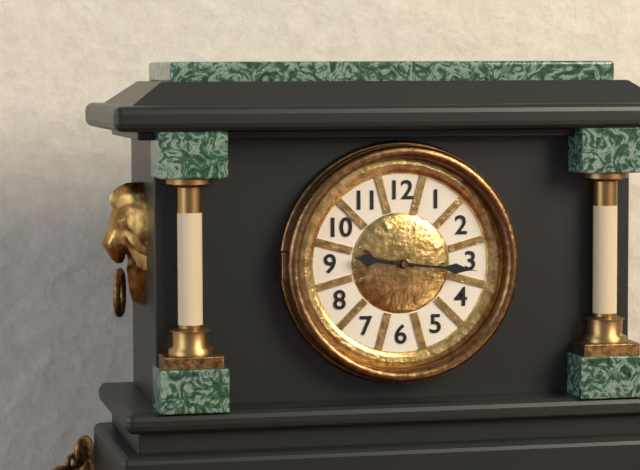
9:16
